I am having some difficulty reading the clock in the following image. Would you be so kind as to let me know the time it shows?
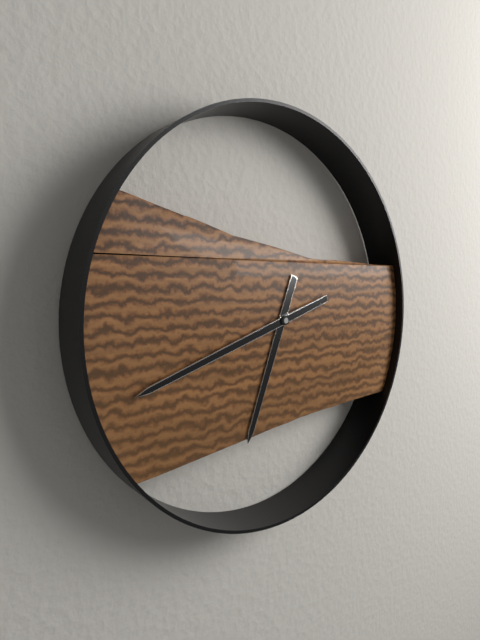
6:42
